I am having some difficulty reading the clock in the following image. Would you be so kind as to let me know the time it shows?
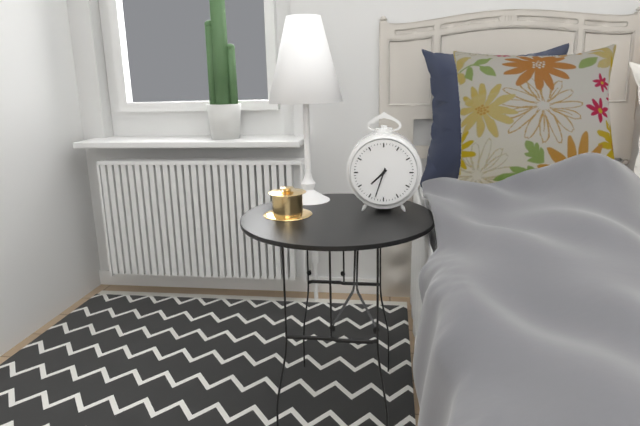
7:33
